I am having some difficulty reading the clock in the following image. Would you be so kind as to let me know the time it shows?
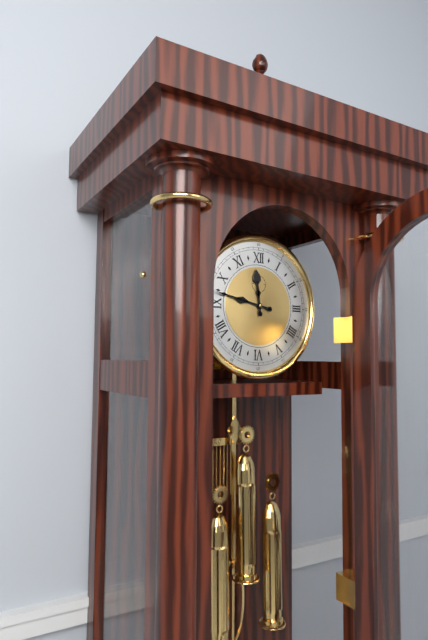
11:47
